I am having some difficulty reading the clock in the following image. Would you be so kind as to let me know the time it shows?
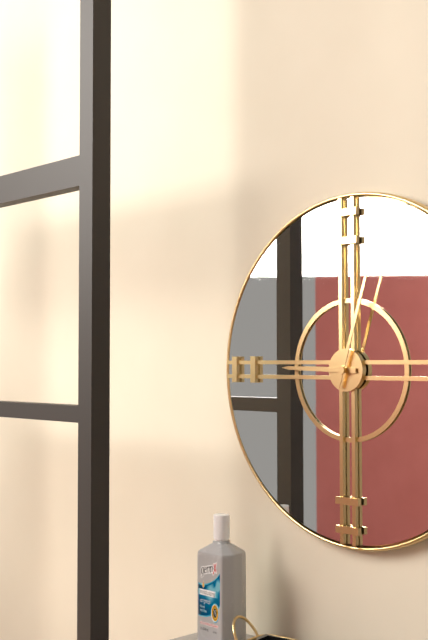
9:03
